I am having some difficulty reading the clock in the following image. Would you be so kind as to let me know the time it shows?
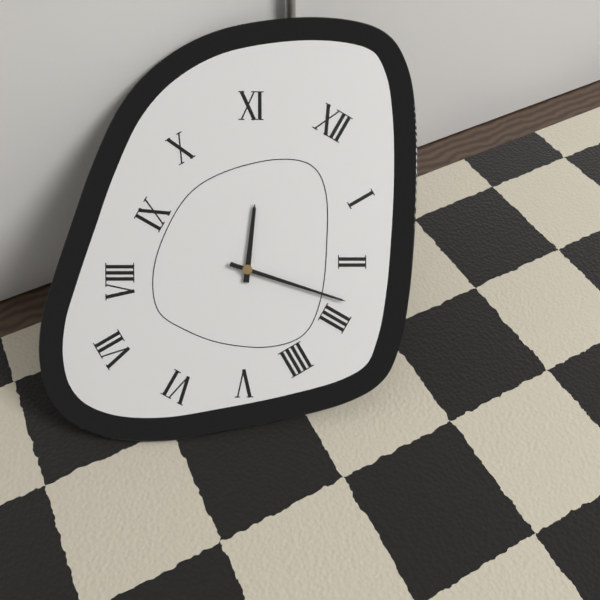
11:13
